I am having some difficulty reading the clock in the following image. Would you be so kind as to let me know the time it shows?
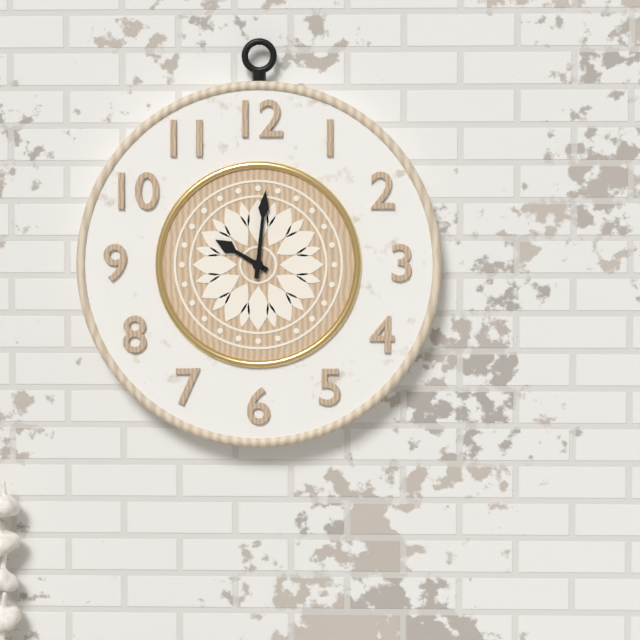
10:01
